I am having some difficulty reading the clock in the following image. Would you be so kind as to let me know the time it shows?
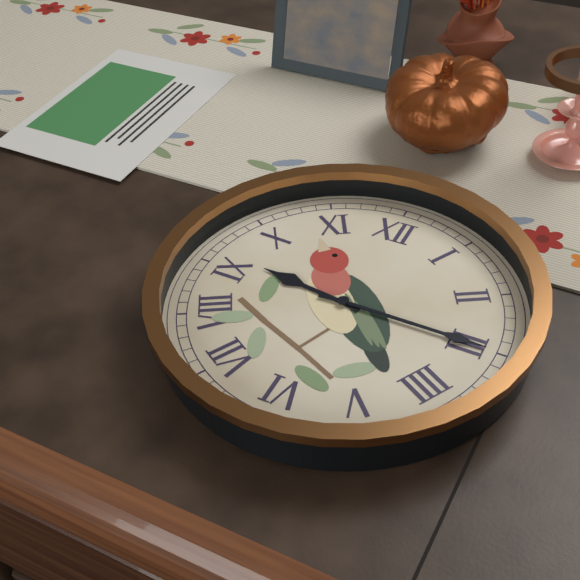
9:15
